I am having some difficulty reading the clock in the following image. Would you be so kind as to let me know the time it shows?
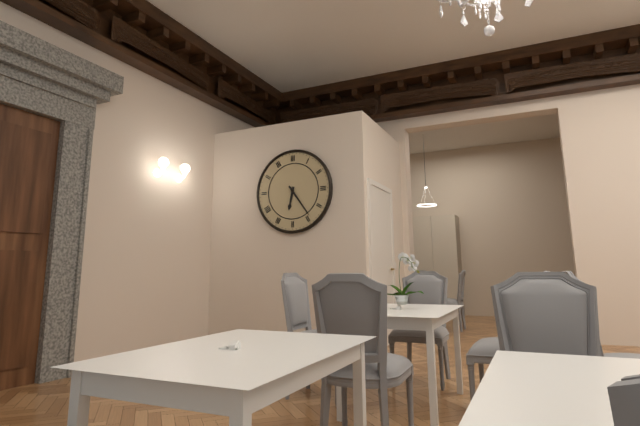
6:24
